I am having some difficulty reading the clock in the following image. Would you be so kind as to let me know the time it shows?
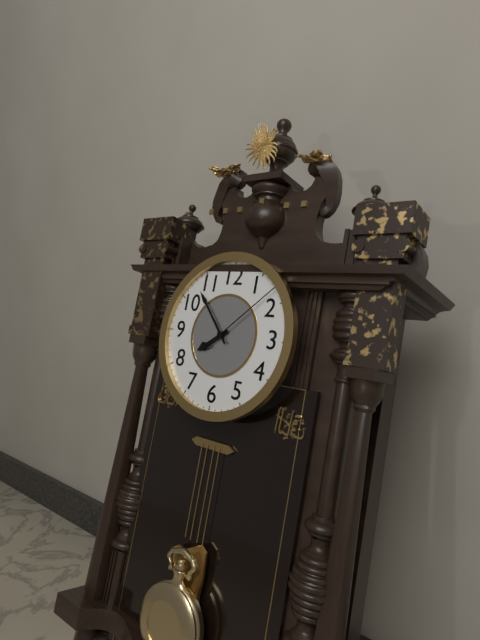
7:53:08
